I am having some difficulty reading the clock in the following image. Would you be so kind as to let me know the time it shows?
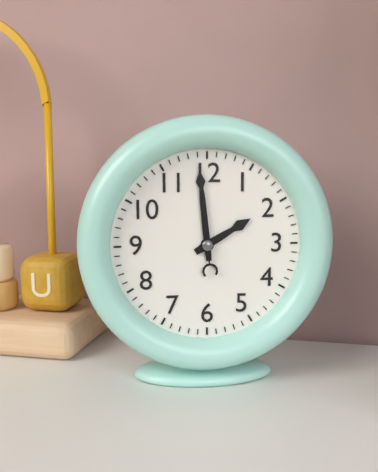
1:59:59
